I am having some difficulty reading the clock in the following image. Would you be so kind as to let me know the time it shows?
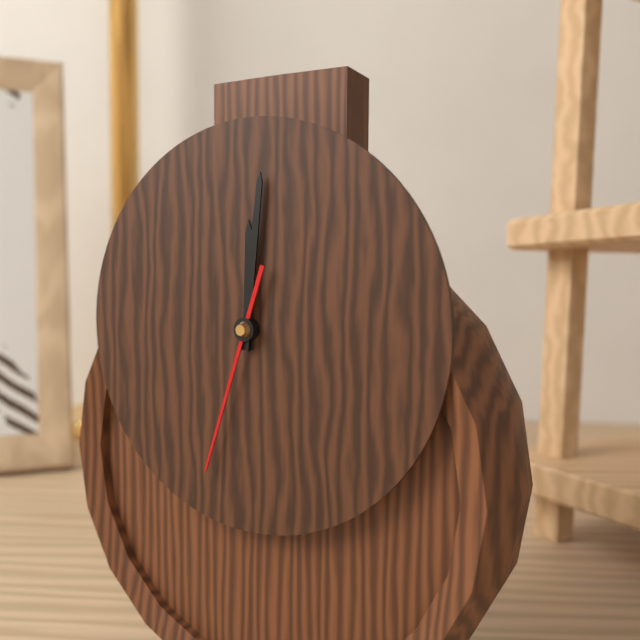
12:01:33
